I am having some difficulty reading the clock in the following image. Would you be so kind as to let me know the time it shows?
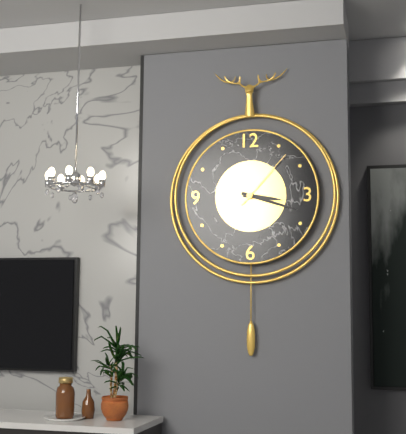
3:18:07
